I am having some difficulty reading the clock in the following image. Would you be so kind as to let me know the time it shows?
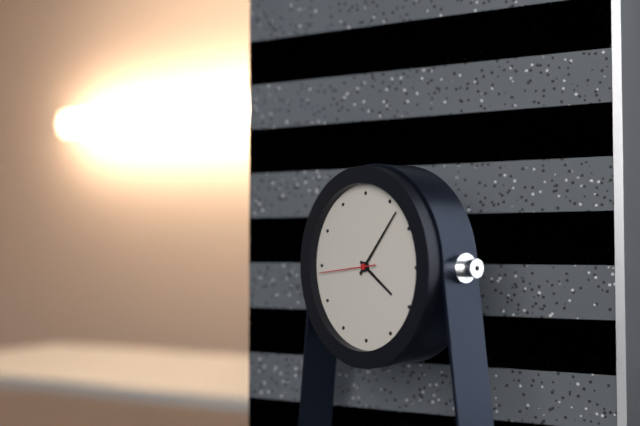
4:07:44
